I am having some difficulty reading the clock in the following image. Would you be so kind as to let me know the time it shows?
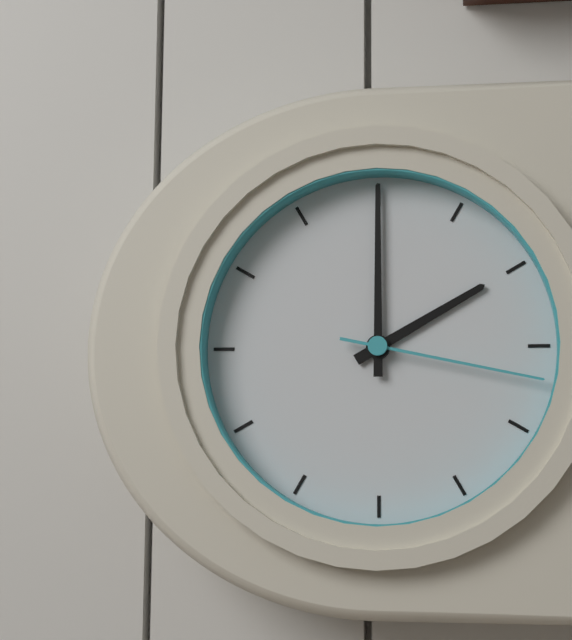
2:00:17
